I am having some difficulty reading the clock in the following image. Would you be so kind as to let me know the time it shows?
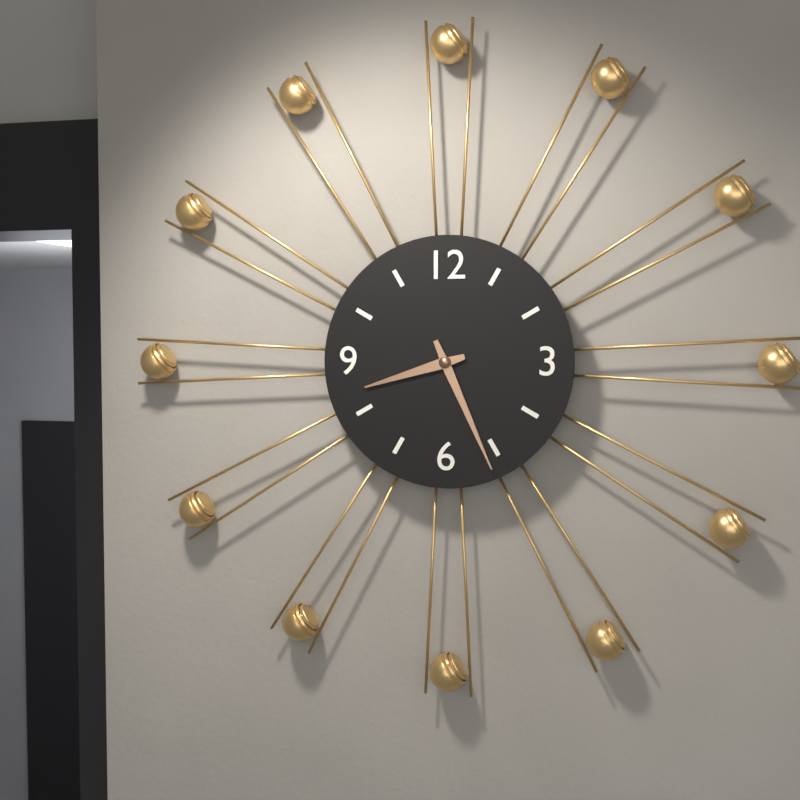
8:26
